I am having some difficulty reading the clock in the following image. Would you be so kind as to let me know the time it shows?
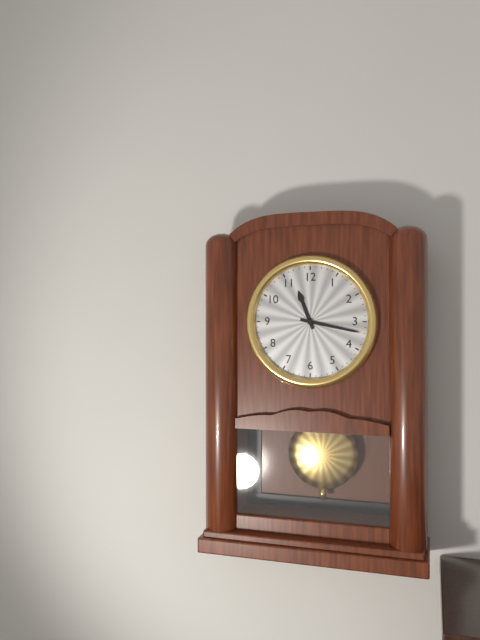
11:17
